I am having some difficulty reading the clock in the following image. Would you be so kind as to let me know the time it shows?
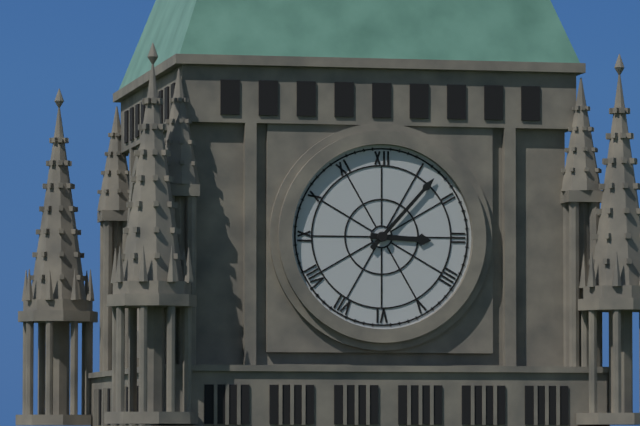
3:07
